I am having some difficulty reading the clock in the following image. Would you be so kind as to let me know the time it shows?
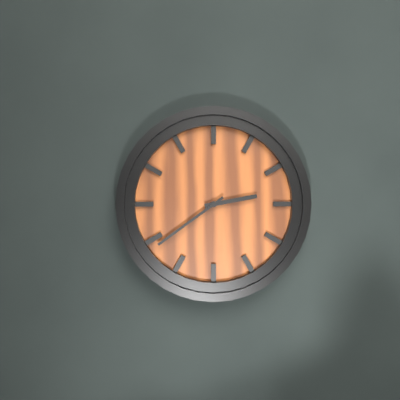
2:39
